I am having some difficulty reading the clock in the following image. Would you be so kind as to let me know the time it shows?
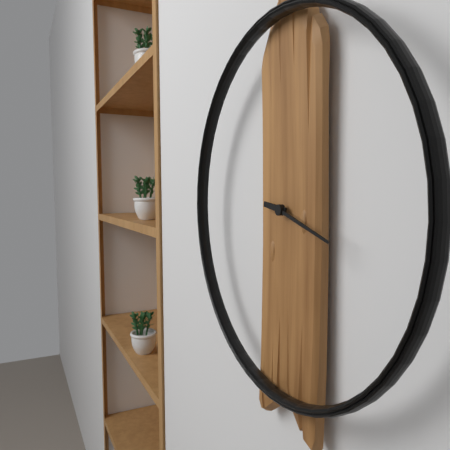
9:18
